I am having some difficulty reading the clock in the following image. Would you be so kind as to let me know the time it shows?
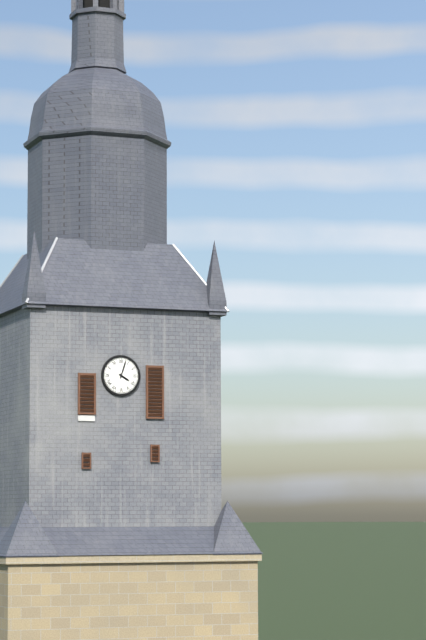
4:03
